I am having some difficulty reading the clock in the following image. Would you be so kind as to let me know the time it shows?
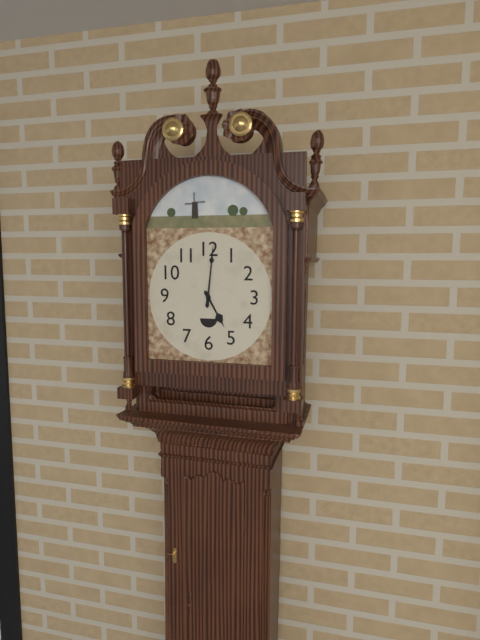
5:01
